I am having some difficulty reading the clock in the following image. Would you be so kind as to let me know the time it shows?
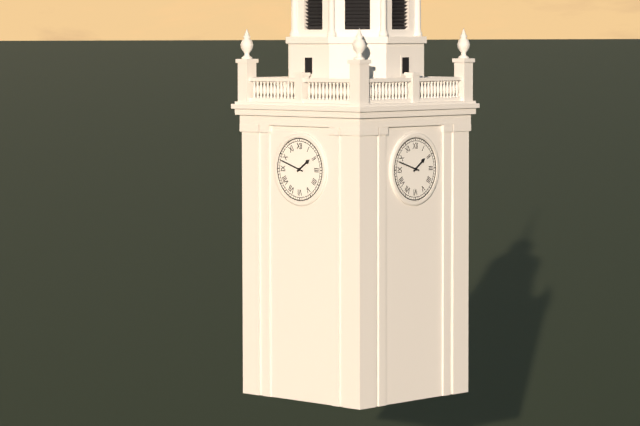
1:48
